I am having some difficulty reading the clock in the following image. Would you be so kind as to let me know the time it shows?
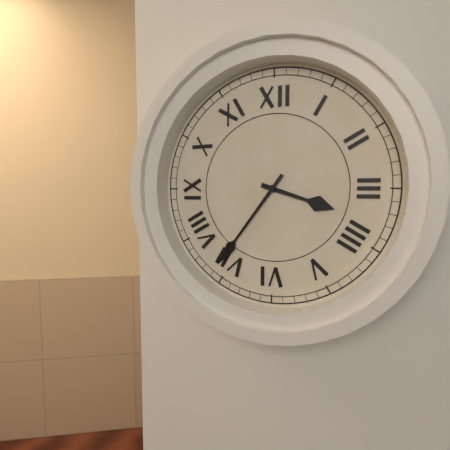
3:36
